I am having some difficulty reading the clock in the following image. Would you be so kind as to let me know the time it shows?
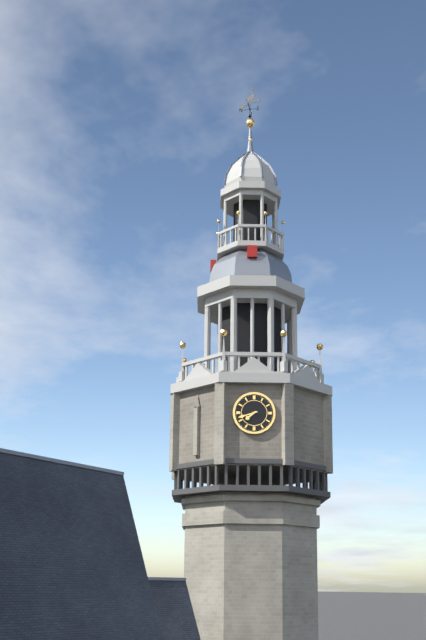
7:42
